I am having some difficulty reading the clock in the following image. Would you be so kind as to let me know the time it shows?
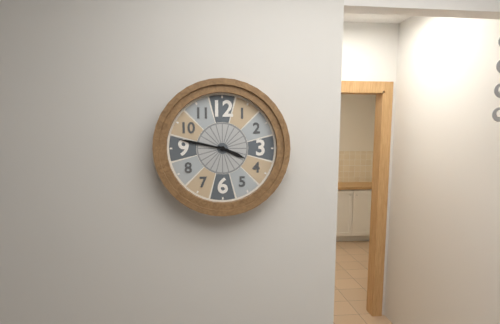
3:47
